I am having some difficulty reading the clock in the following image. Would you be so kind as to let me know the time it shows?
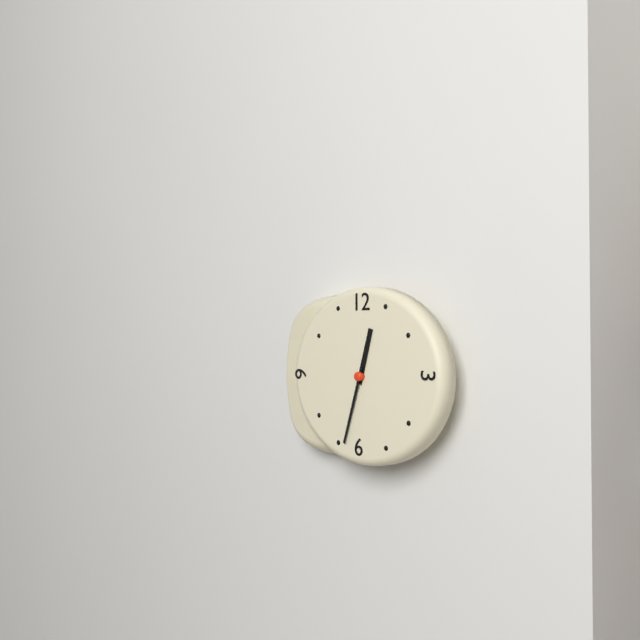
12:33
